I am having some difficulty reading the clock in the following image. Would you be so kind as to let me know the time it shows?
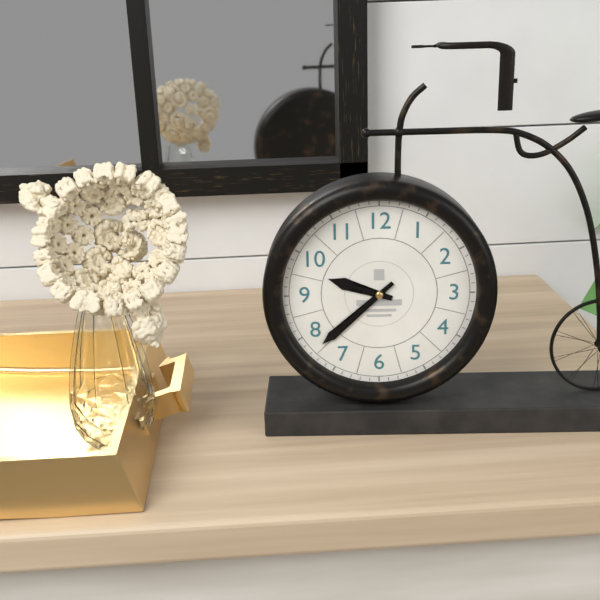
9:38
